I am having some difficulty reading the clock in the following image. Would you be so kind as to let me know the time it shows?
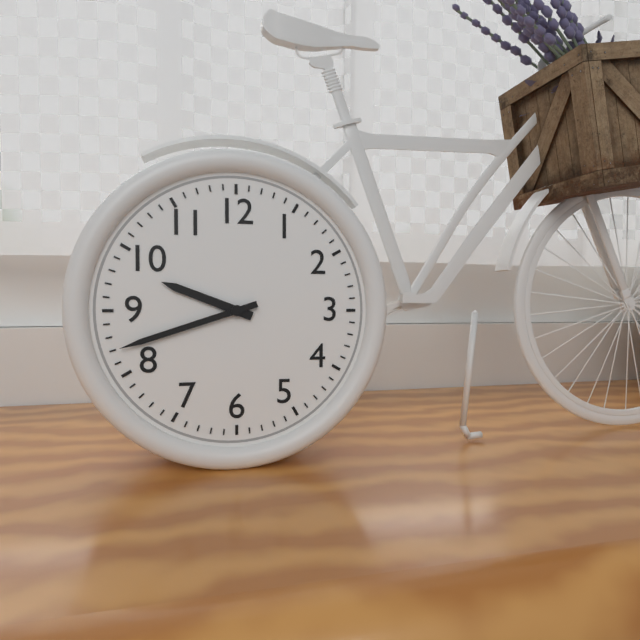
9:42
